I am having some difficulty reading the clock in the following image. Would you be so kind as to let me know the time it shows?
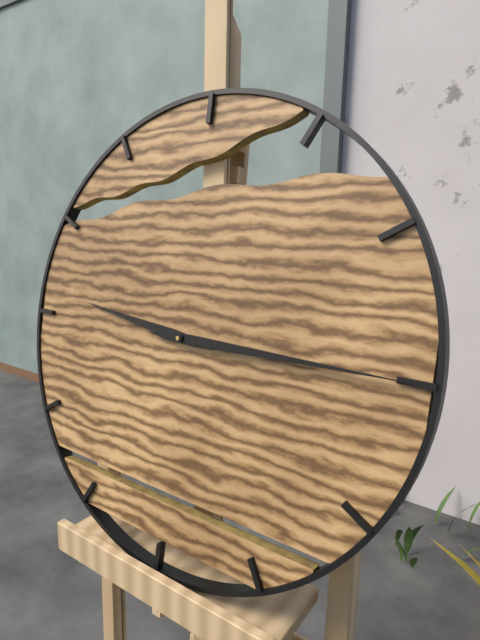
9:15
